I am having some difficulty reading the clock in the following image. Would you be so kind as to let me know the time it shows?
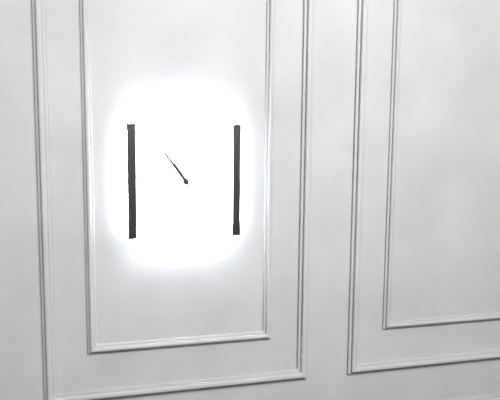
10:54
